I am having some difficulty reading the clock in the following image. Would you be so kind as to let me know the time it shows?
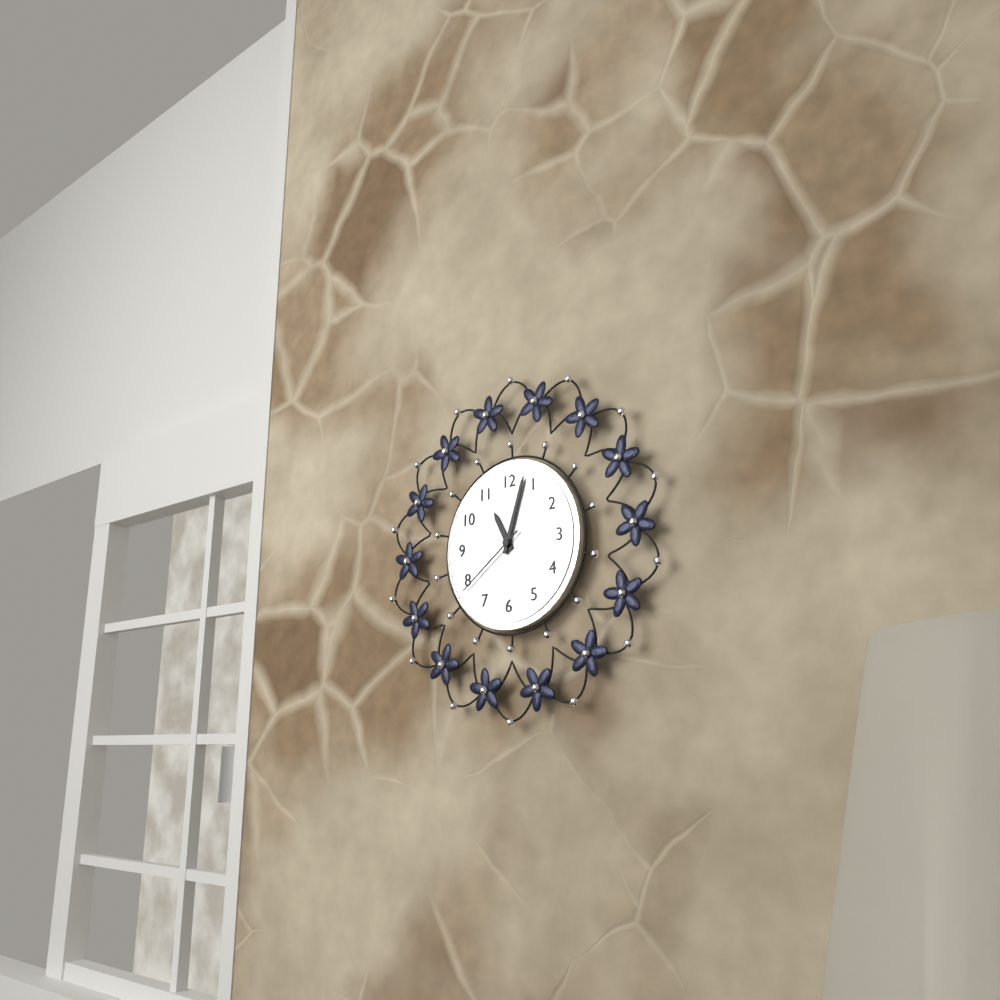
11:03:39
